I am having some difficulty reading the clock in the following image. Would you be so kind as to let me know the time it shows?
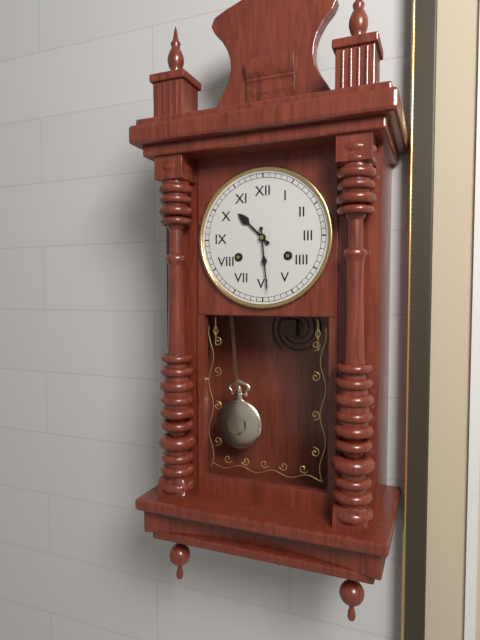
10:29
